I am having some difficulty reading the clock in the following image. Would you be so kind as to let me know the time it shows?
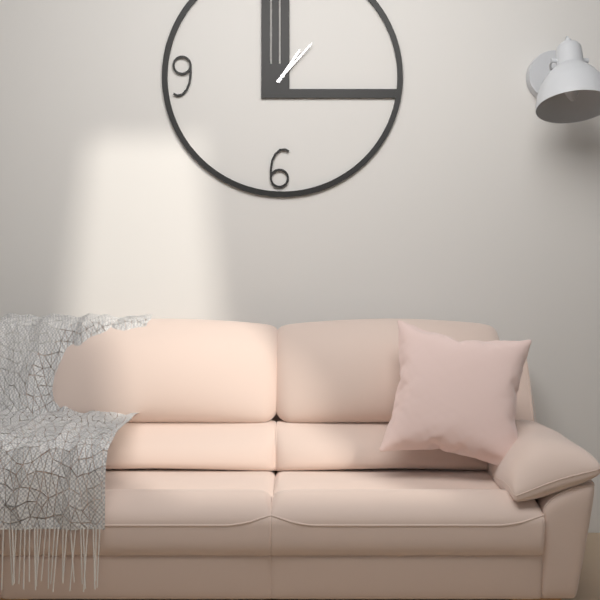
1:07
